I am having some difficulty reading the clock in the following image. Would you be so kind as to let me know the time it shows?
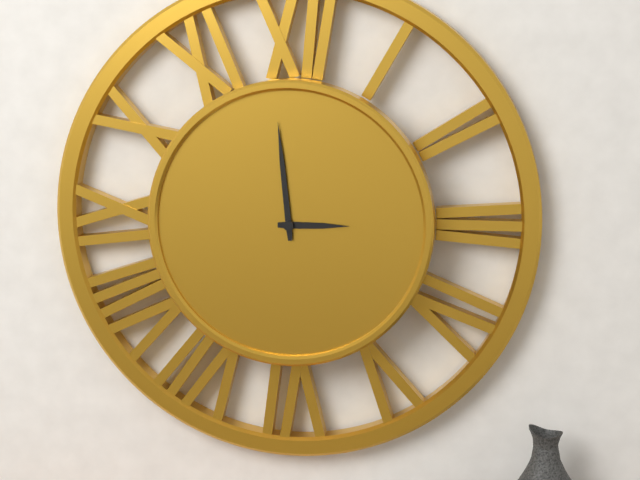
2:59
